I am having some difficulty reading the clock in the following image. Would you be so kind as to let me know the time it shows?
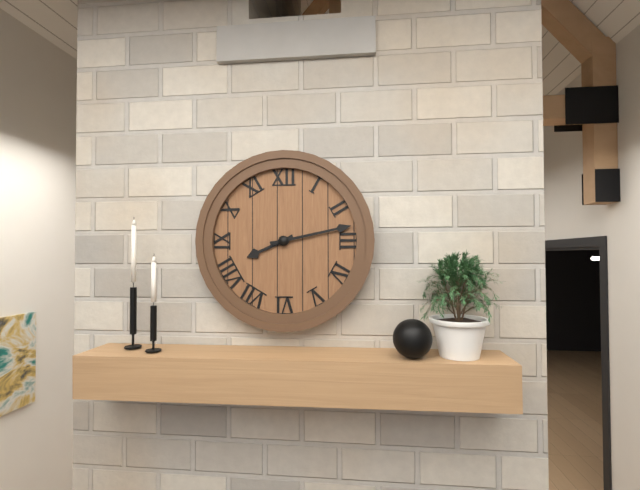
8:13
